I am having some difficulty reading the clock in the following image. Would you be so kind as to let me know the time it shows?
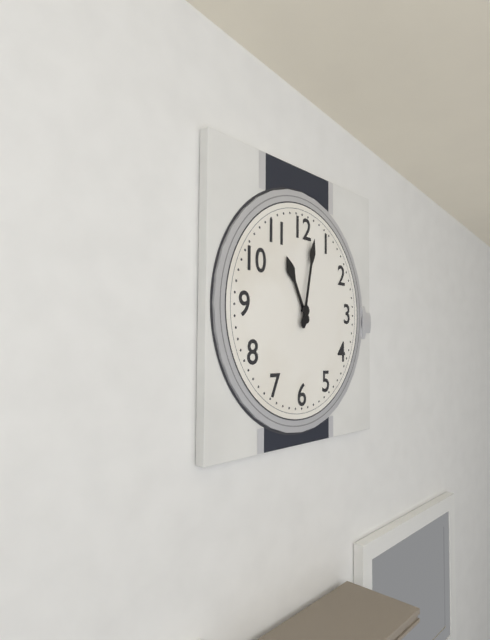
11:02
